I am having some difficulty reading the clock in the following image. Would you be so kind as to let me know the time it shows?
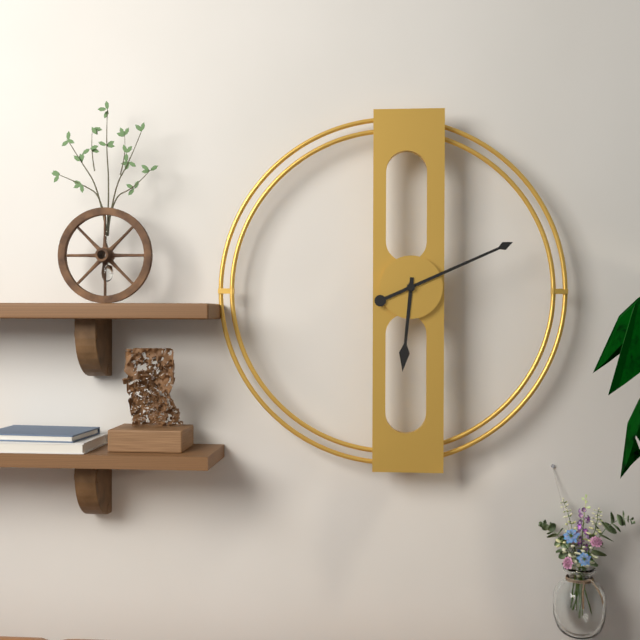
6:11
